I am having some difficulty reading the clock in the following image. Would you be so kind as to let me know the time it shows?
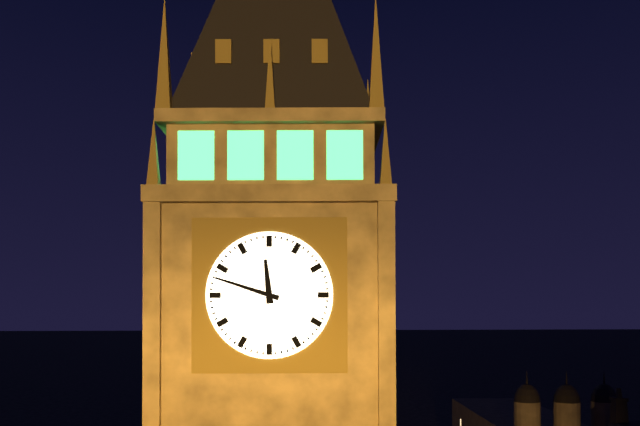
11:48
